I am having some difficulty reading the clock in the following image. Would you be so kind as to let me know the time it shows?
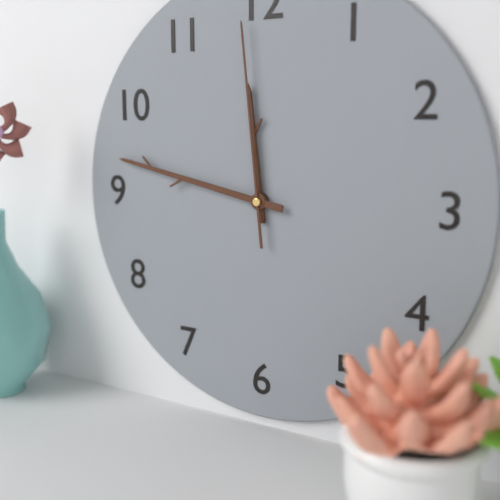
11:47:59
